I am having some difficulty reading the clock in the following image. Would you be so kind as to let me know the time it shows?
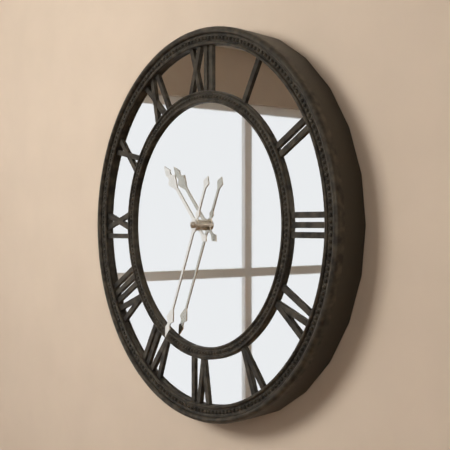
10:34
